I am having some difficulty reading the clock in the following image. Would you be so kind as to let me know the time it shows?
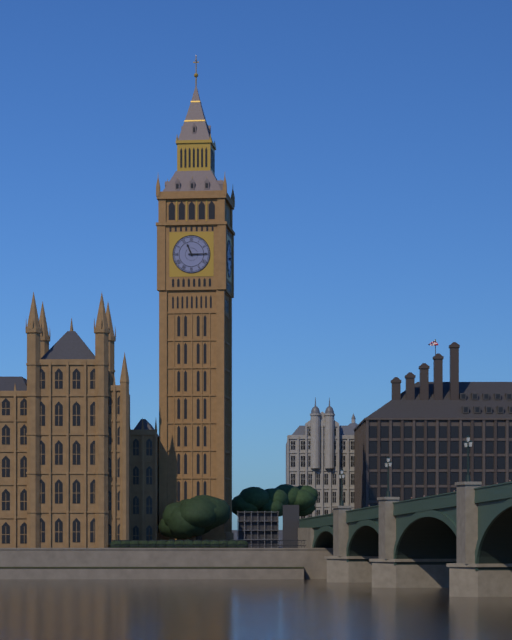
11:15
